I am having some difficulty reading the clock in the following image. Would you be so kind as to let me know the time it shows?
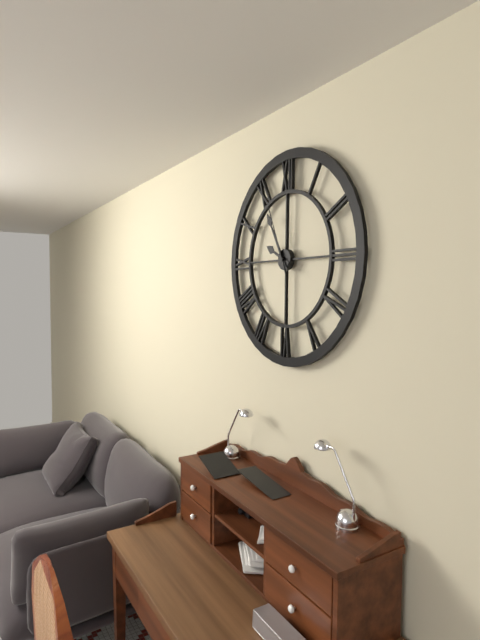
9:55:56
